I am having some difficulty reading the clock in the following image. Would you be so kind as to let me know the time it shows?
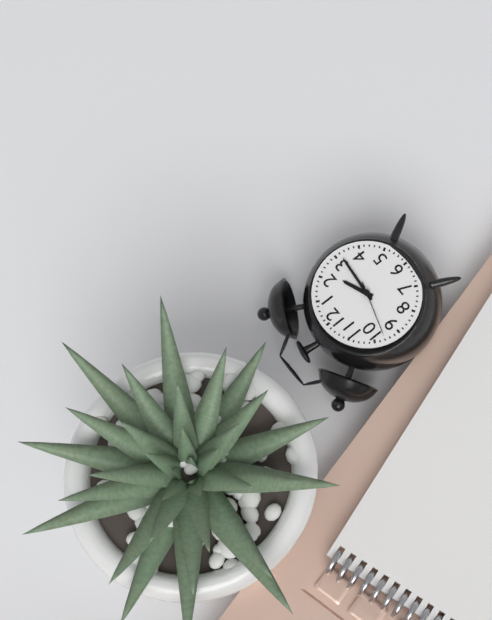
2:16:48
